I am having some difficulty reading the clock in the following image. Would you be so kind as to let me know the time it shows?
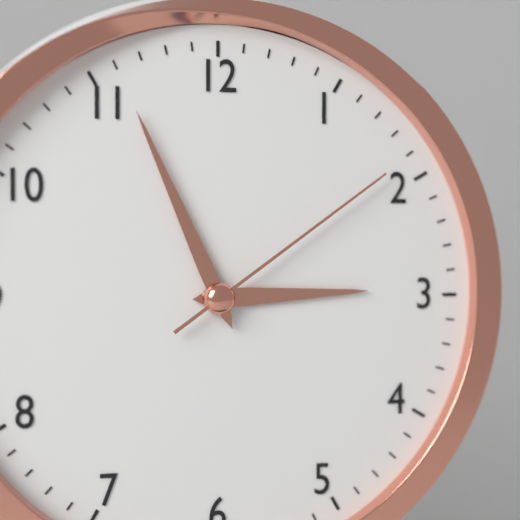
2:56:09
